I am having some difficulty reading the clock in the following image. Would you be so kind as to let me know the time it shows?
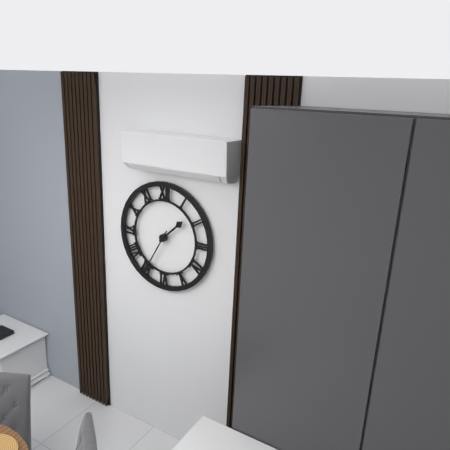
1:35
